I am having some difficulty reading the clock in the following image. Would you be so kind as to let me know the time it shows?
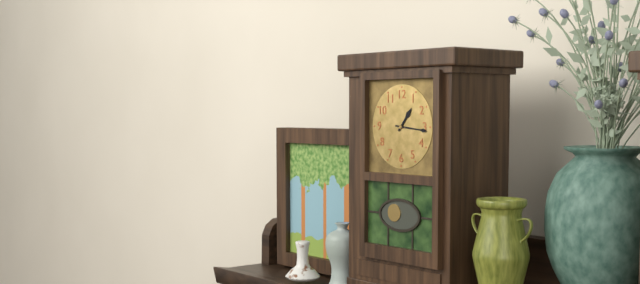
1:16
